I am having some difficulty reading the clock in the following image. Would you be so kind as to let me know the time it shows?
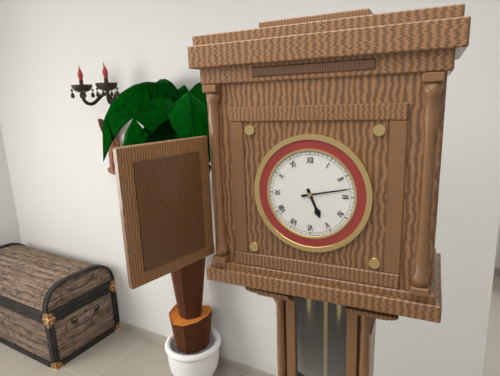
5:13
